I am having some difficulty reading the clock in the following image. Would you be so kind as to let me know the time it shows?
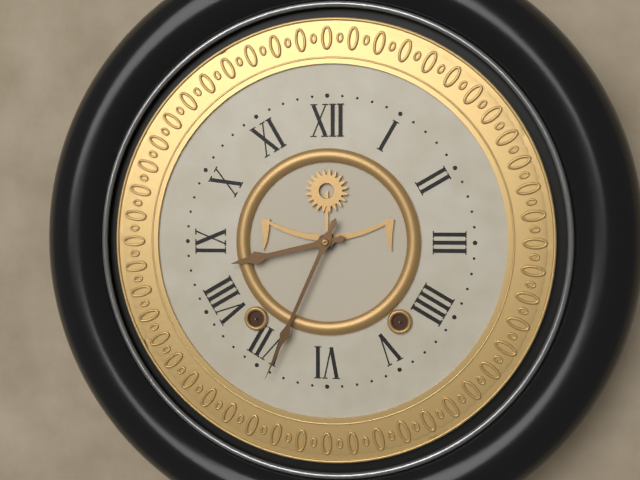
8:34
